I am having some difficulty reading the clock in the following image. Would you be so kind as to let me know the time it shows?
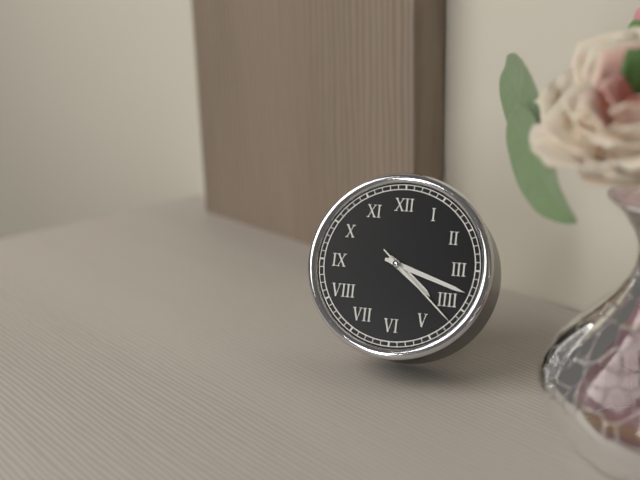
4:18:22
